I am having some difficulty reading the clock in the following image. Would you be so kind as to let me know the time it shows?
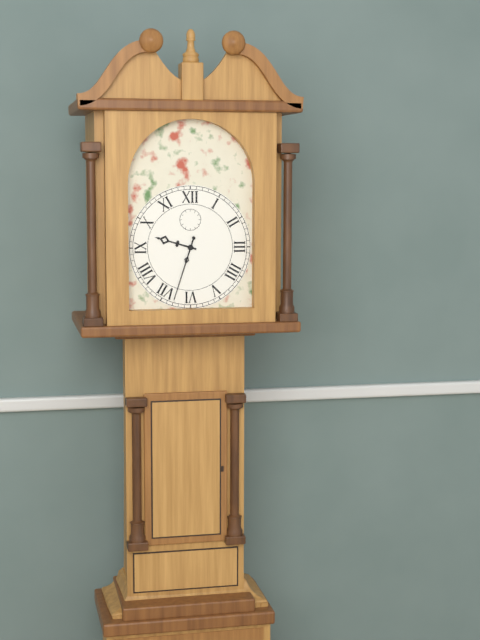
9:33
